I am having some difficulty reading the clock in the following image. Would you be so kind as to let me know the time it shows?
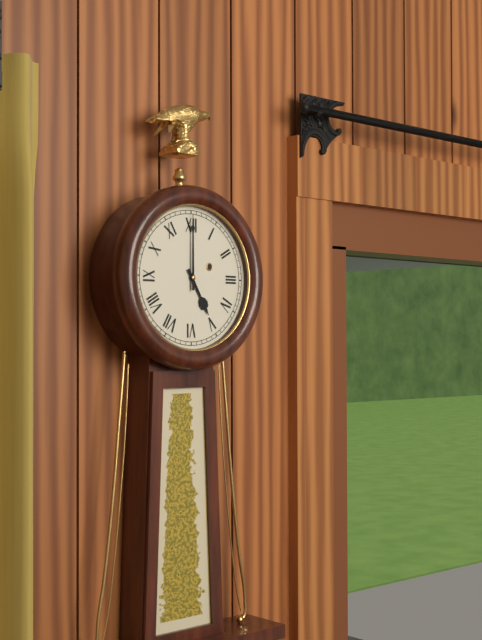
5:00
